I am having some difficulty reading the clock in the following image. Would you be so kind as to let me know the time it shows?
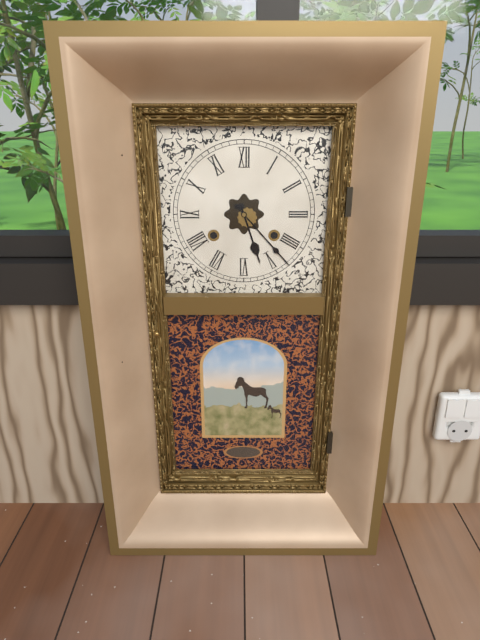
5:23
